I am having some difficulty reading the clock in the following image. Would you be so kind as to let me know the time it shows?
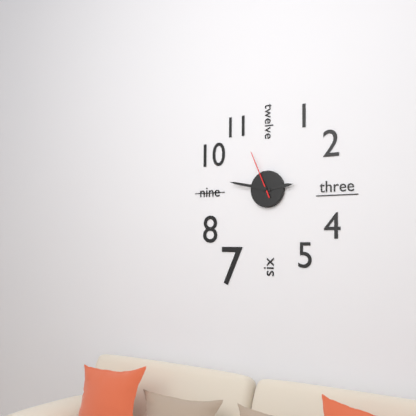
2:47:56
